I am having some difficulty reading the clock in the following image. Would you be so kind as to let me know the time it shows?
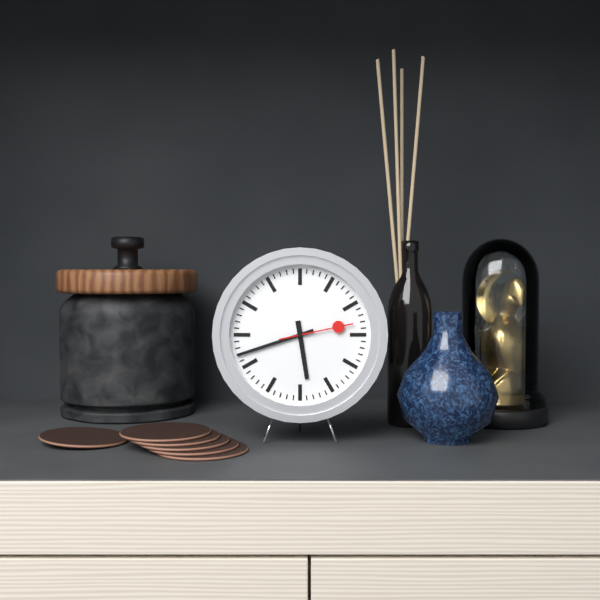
5:42:13
